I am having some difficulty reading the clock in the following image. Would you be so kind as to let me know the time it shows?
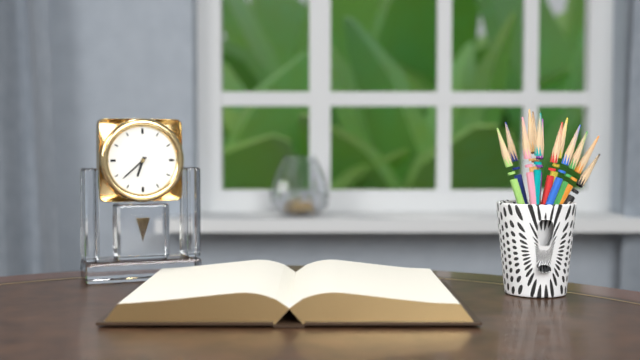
6:38
